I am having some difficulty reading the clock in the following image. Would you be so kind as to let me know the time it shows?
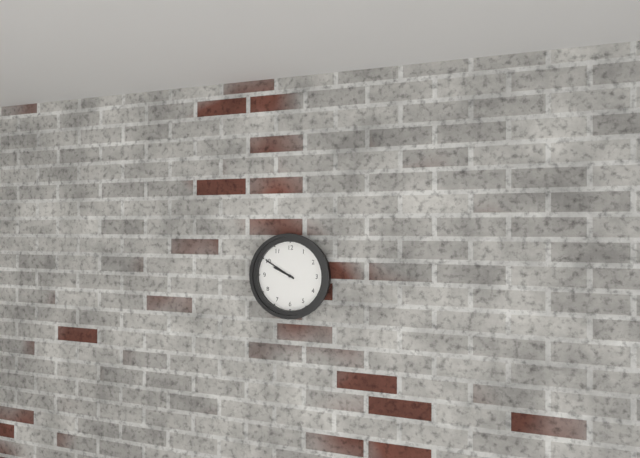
9:50
